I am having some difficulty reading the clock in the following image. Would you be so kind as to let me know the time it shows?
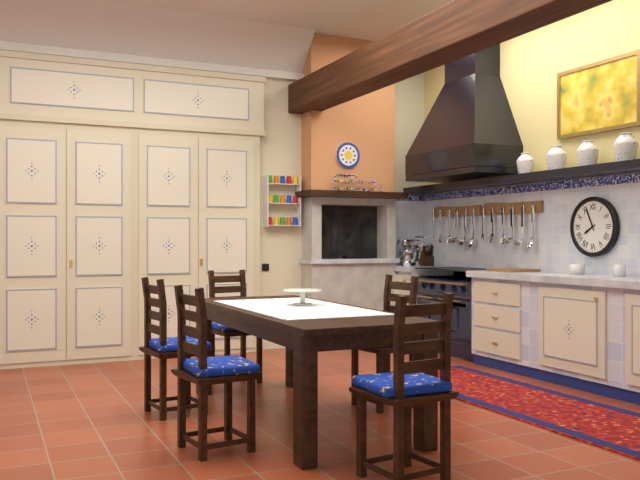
7:56
